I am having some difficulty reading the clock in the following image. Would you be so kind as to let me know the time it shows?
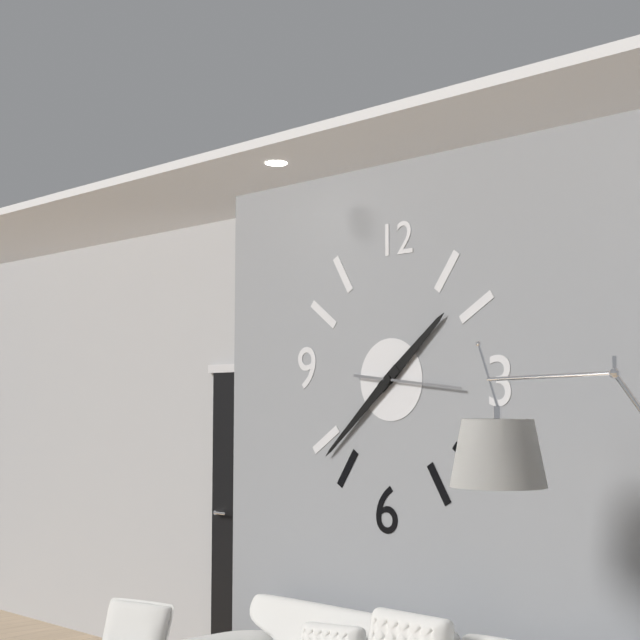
1:38:16
